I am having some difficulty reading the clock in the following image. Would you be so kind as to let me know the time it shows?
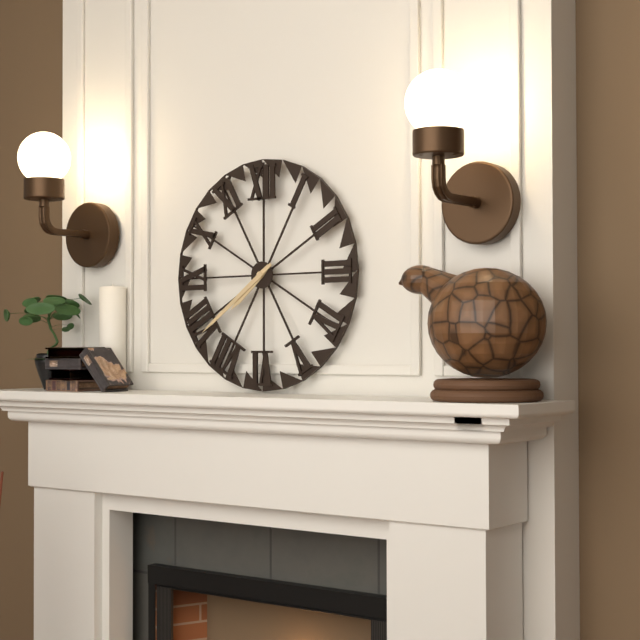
7:39
